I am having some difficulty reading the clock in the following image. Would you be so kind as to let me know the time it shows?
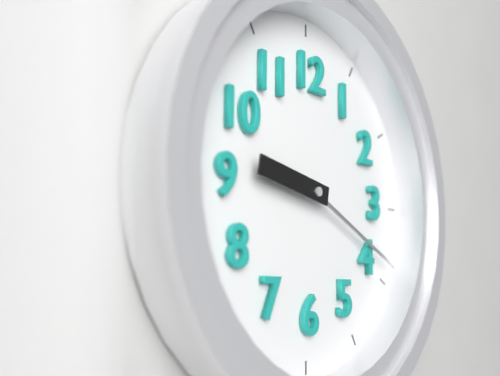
9:19
